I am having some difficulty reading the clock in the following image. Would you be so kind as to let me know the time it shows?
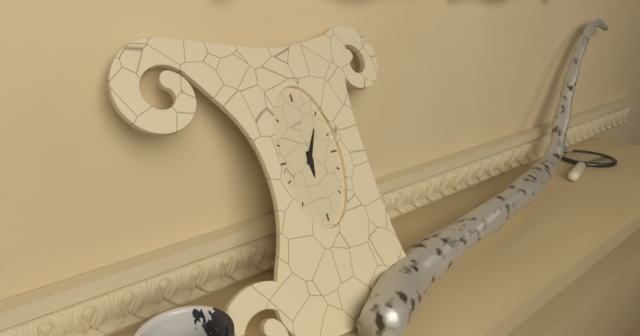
6:05
